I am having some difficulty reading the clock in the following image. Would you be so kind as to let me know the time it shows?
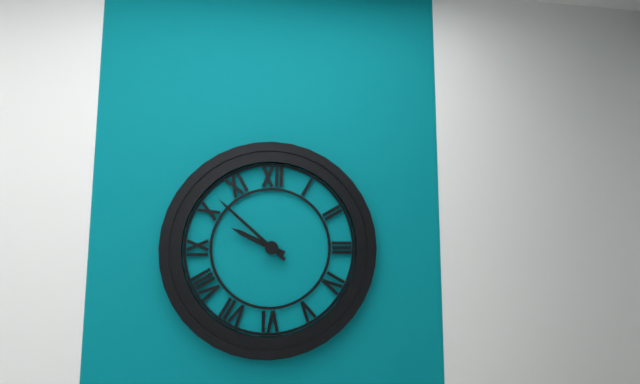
9:52
